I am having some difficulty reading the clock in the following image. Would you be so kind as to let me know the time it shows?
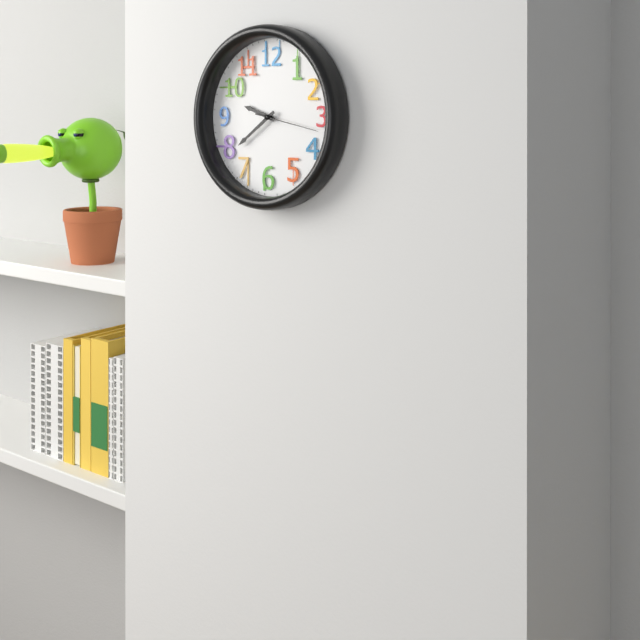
9:39:17
